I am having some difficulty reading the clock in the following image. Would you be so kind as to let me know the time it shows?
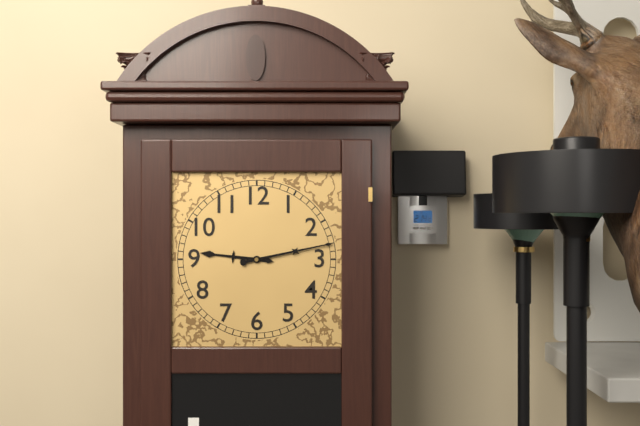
9:13
